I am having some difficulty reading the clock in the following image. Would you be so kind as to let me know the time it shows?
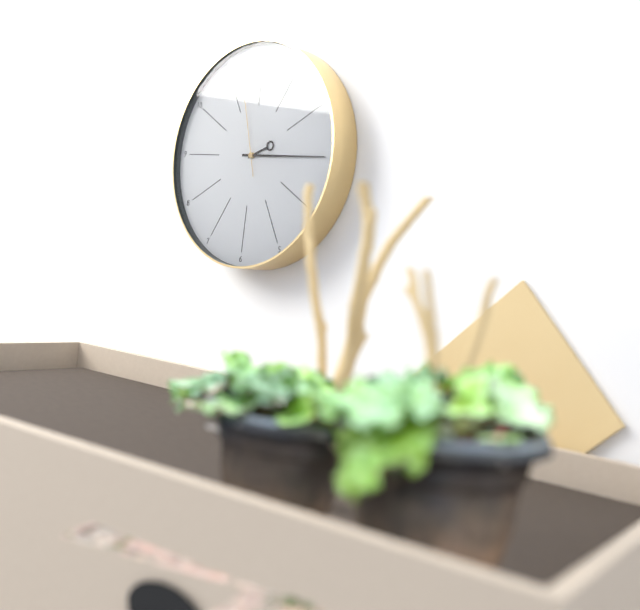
2:15:57
